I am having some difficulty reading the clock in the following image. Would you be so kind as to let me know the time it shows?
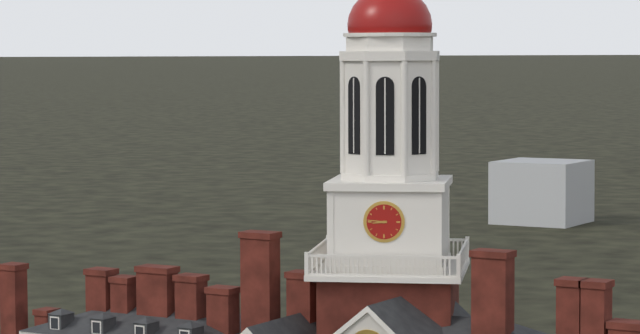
8:46
